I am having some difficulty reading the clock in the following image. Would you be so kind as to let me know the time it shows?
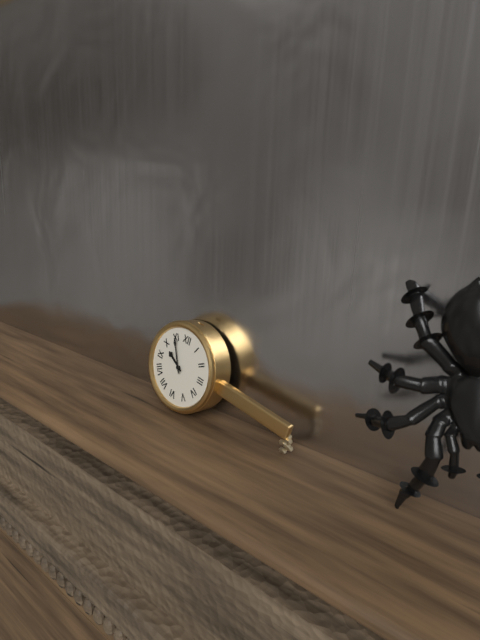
9:55
